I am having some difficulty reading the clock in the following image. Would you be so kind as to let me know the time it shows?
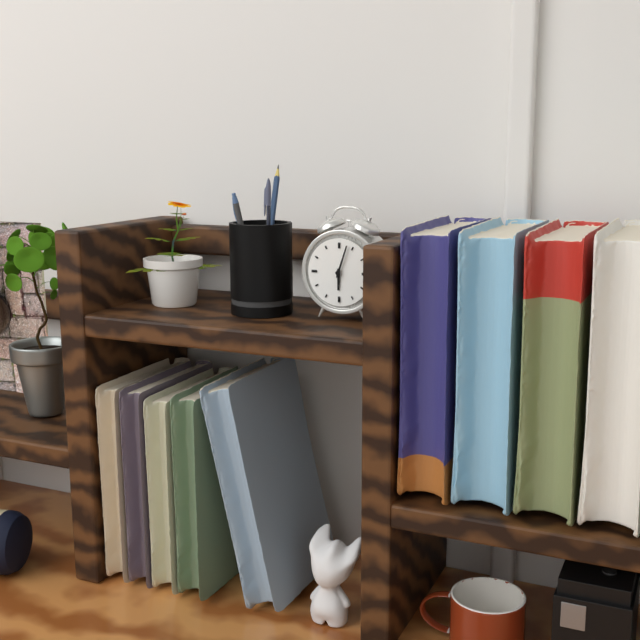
6:03
